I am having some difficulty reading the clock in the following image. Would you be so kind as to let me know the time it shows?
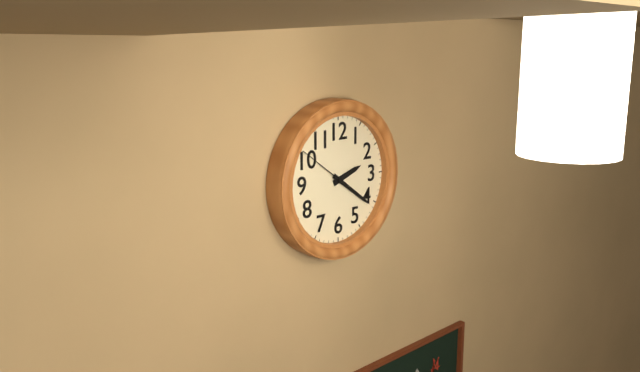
2:21:51
